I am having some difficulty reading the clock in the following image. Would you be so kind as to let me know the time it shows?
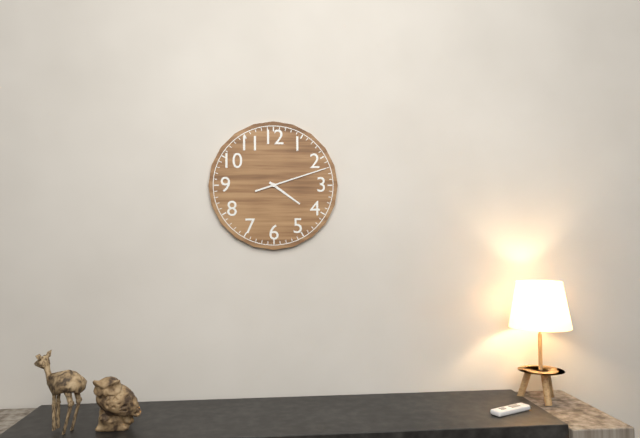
4:12
